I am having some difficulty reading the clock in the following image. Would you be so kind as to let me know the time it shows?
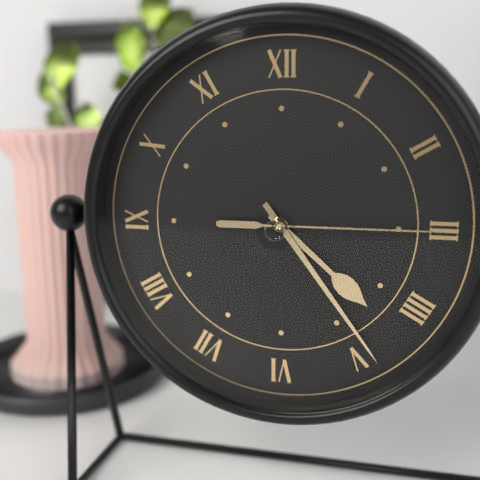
4:24:15
